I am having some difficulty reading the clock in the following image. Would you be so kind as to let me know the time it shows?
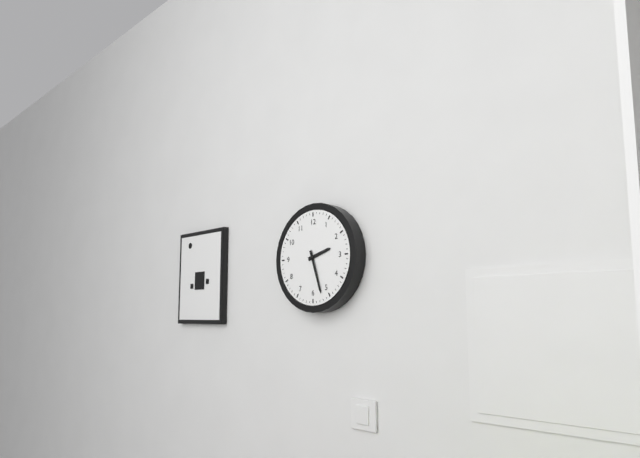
2:27
